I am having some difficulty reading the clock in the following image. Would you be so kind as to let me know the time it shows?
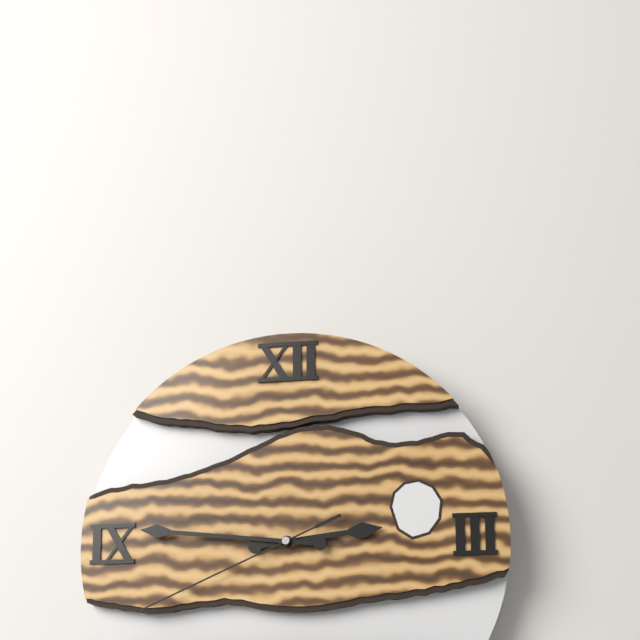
2:46:41
